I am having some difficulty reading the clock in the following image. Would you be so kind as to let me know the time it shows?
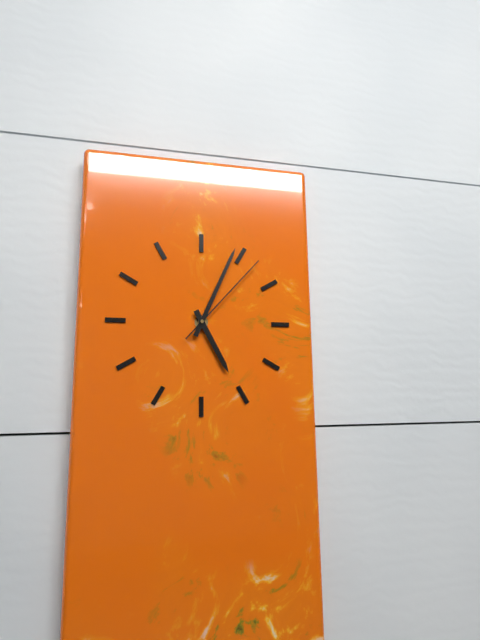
5:04:07
